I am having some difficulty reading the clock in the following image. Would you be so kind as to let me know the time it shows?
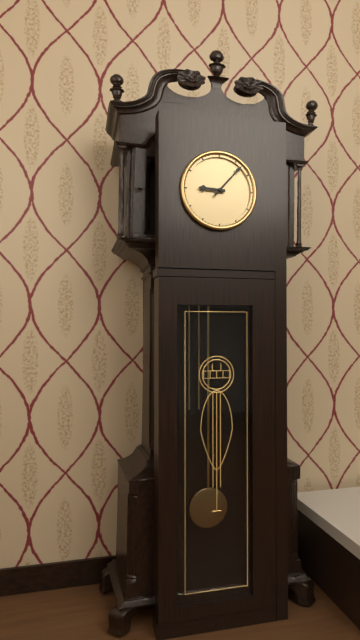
9:07
